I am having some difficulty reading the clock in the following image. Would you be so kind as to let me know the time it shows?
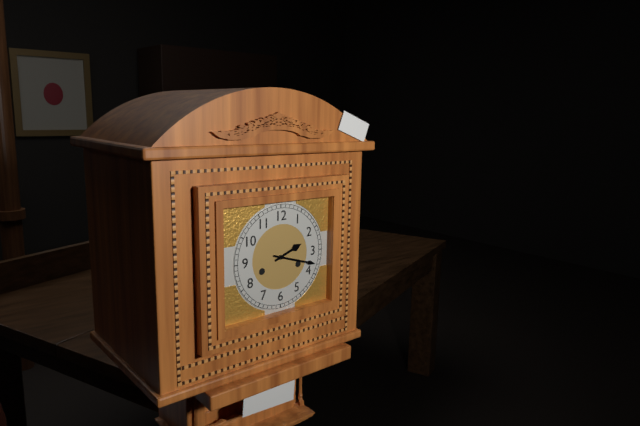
2:18
